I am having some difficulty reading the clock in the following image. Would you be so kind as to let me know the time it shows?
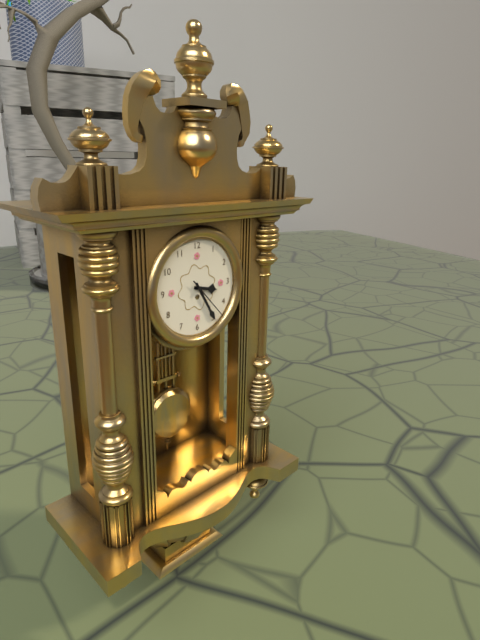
3:25
